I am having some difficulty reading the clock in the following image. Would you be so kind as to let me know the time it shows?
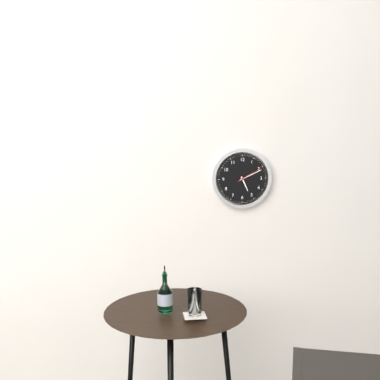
5:11
